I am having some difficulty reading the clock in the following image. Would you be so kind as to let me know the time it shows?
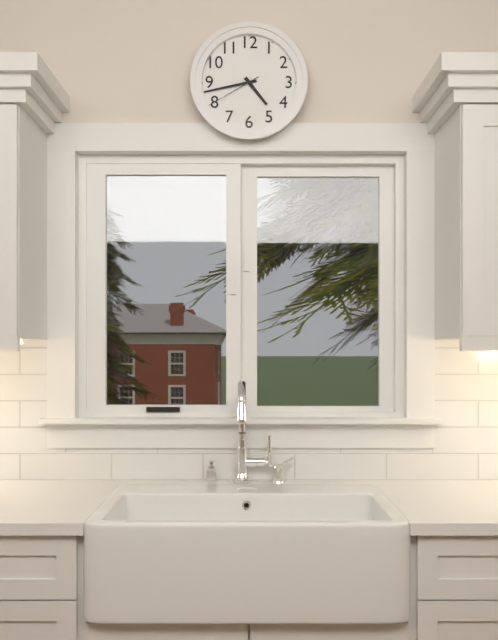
4:43:40
